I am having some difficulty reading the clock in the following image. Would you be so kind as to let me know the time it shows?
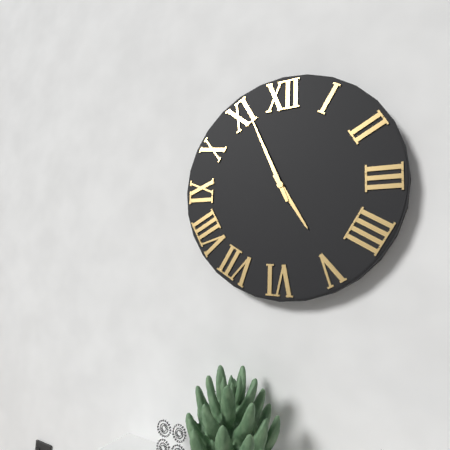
4:56
